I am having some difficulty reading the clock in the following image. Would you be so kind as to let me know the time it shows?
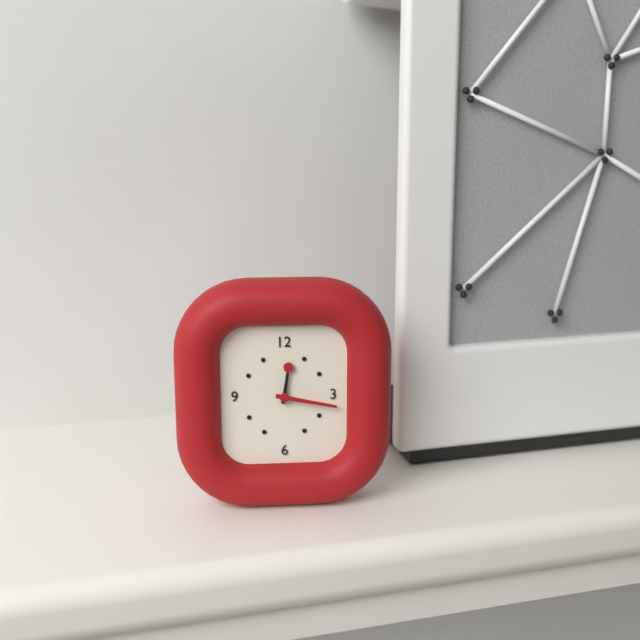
12:17
